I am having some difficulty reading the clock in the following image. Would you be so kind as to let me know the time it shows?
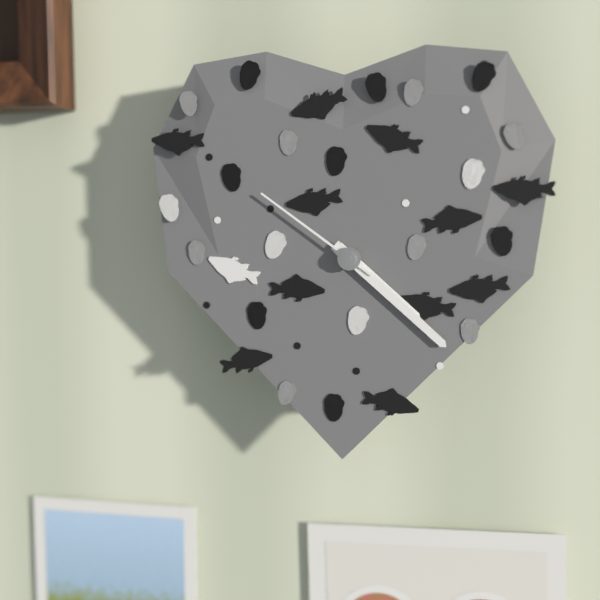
4:22:51
